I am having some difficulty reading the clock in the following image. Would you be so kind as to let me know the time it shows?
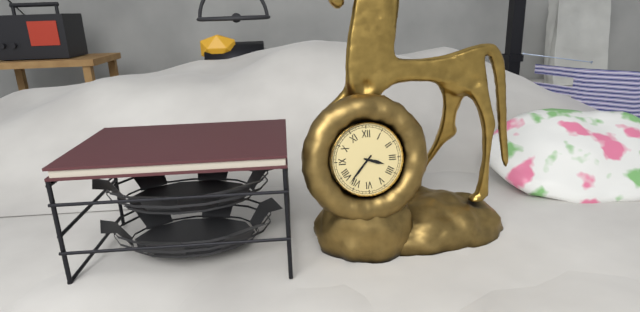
3:37
